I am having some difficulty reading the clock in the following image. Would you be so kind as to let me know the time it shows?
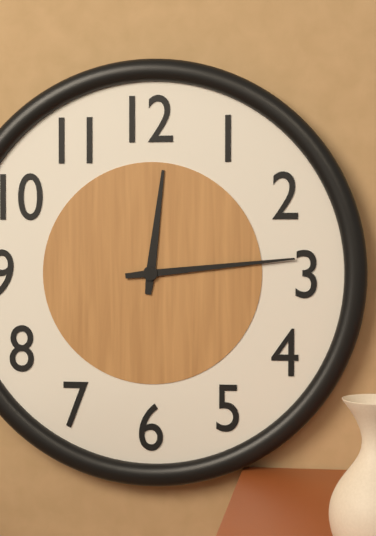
12:14
